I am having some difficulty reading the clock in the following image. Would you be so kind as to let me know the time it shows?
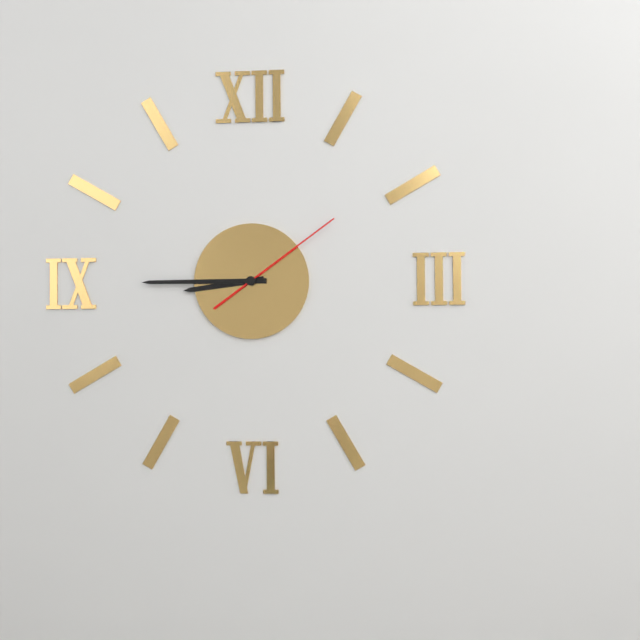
8:45:09
